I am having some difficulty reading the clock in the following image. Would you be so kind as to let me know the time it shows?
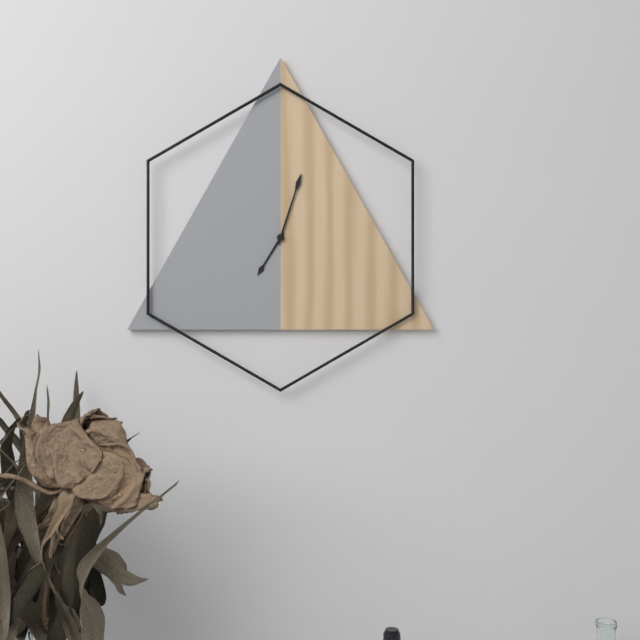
7:03
